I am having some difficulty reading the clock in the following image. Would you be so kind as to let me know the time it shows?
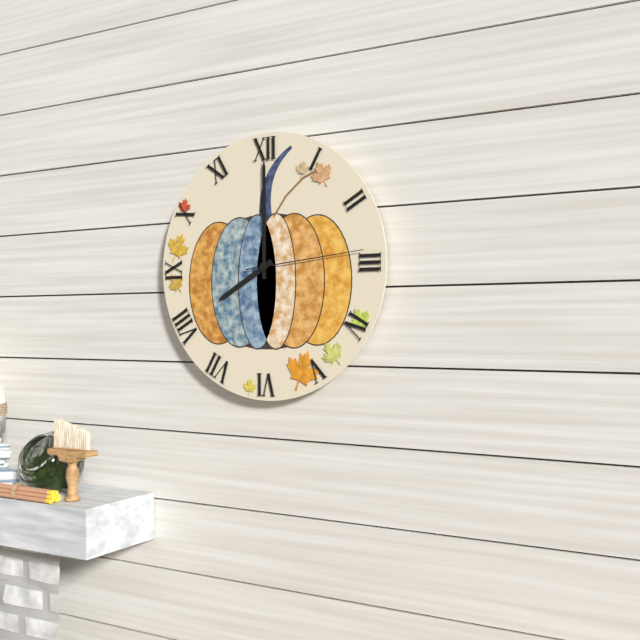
8:00:14
